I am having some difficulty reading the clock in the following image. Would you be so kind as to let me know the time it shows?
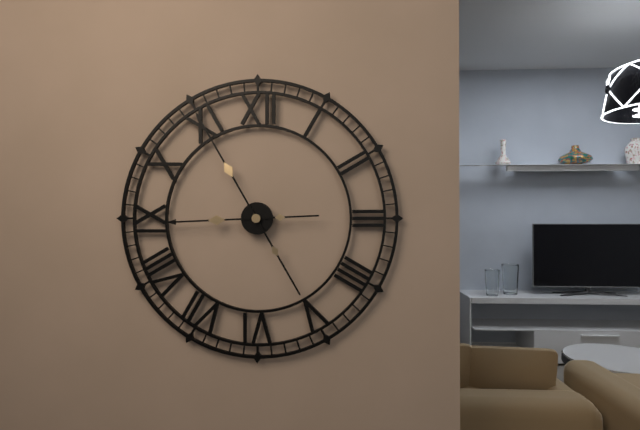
8:55
